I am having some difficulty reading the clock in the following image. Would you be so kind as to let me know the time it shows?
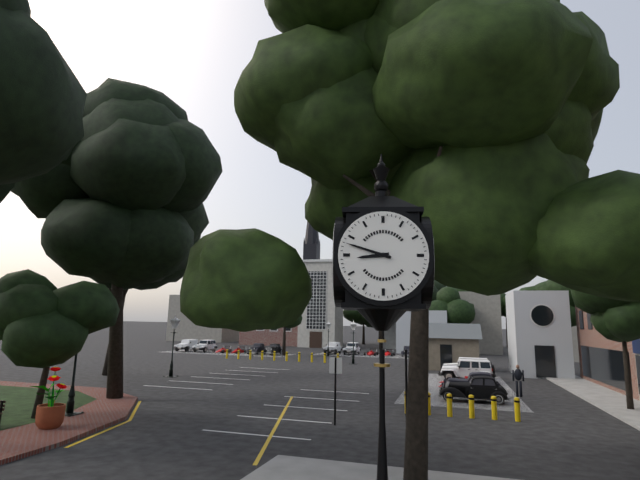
8:48
